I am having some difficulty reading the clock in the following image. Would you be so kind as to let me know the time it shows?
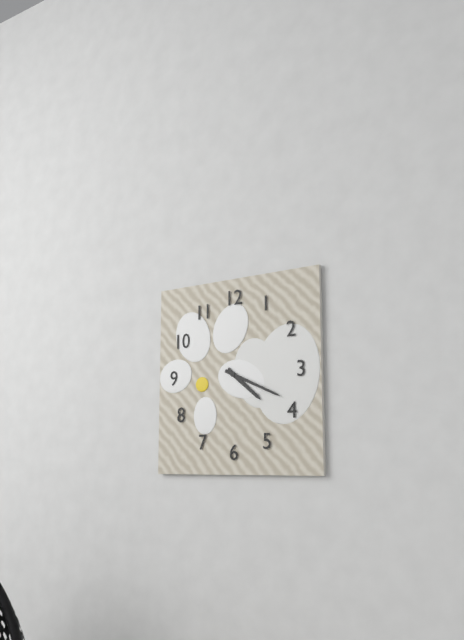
4:19
